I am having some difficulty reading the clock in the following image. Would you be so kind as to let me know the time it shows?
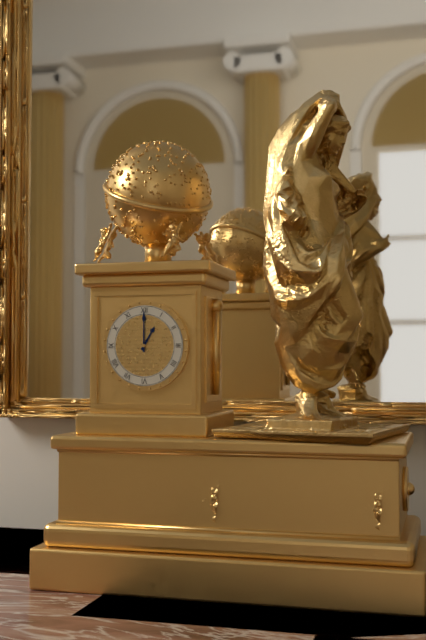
1:00
